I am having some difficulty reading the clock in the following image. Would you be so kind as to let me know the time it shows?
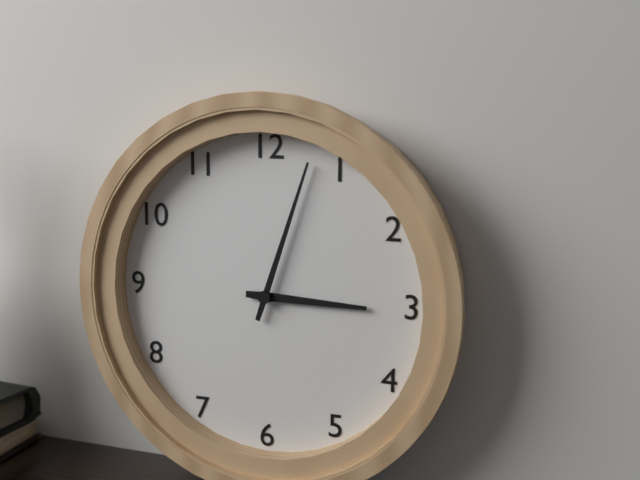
3:03
